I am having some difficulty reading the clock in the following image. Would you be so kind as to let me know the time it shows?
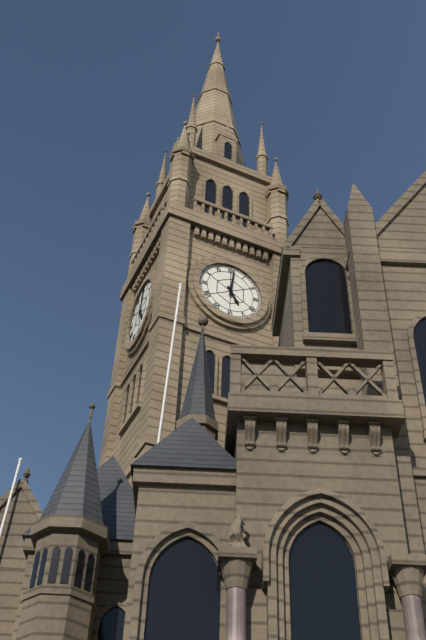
5:01
